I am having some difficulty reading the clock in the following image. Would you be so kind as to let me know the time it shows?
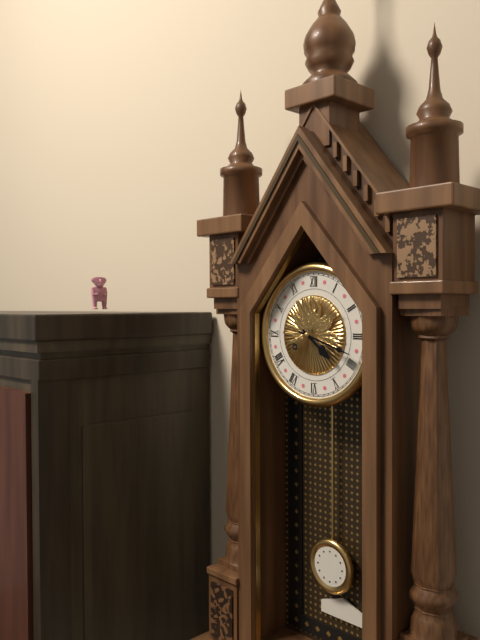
4:18
